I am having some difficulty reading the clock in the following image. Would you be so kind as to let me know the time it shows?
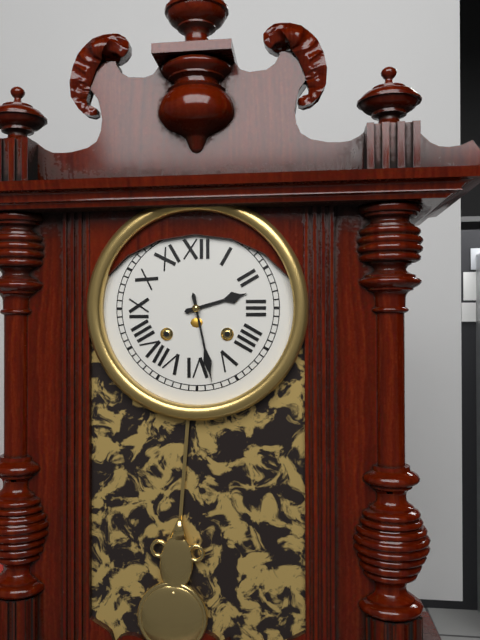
2:28
